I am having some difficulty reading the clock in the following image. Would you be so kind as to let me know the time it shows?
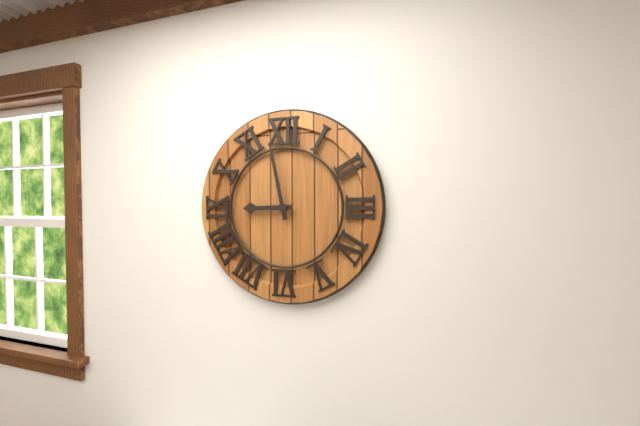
8:58
